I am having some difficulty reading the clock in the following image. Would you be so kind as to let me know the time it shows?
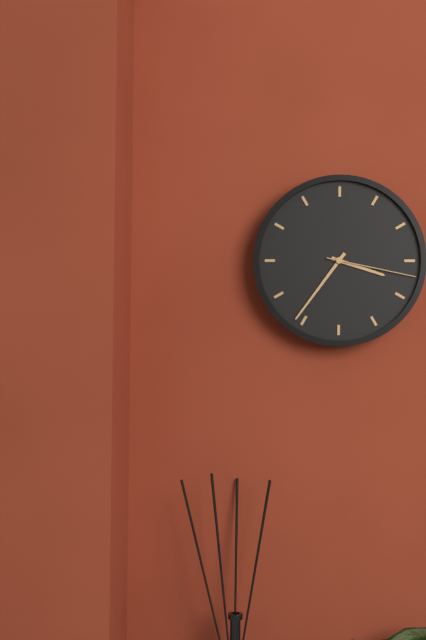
3:36:17
